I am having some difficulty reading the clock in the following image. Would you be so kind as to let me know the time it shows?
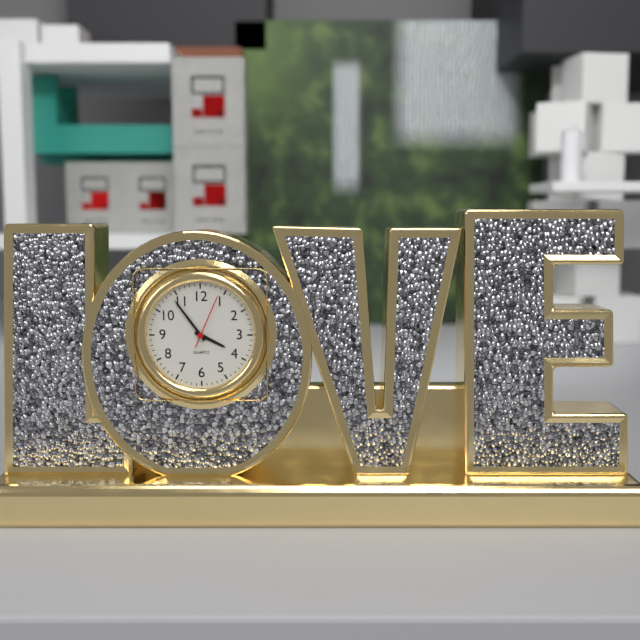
3:54:04
